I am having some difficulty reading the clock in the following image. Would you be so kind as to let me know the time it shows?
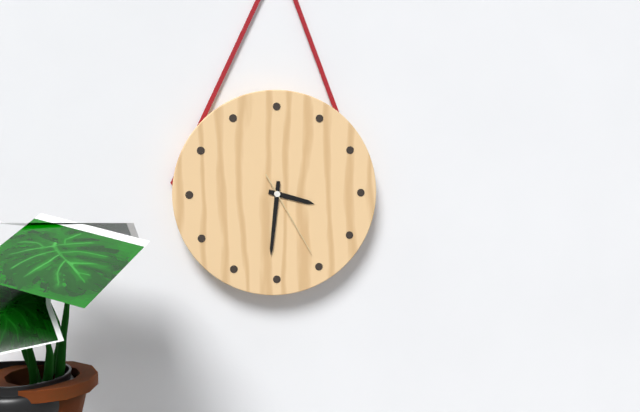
3:31:25
